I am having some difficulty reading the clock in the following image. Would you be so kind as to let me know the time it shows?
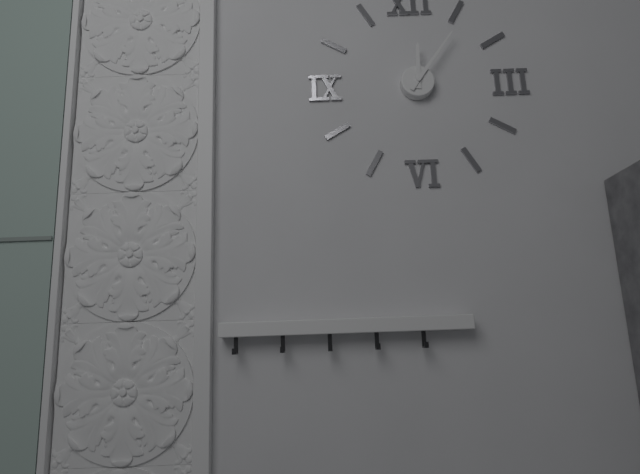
12:06
